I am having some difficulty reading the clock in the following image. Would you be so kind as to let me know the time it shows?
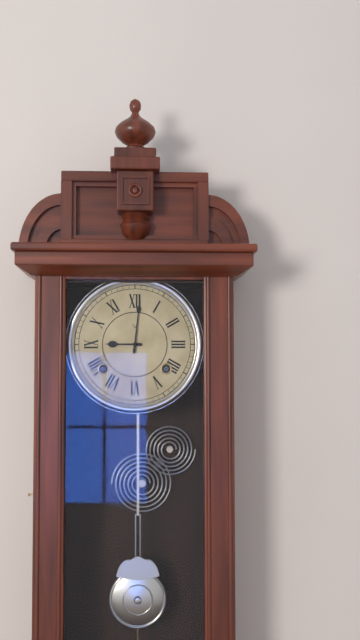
9:01
